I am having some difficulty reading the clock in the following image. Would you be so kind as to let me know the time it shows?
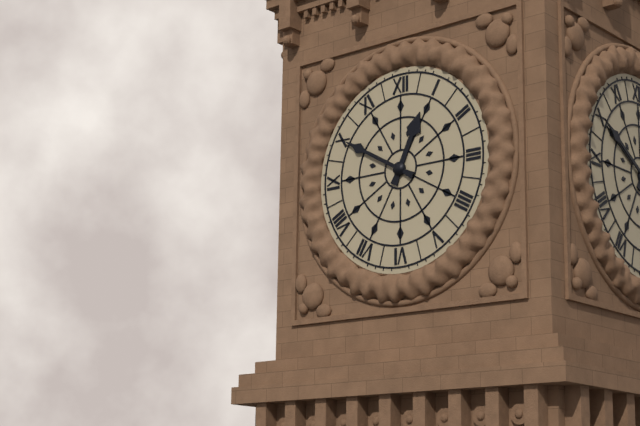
12:50
